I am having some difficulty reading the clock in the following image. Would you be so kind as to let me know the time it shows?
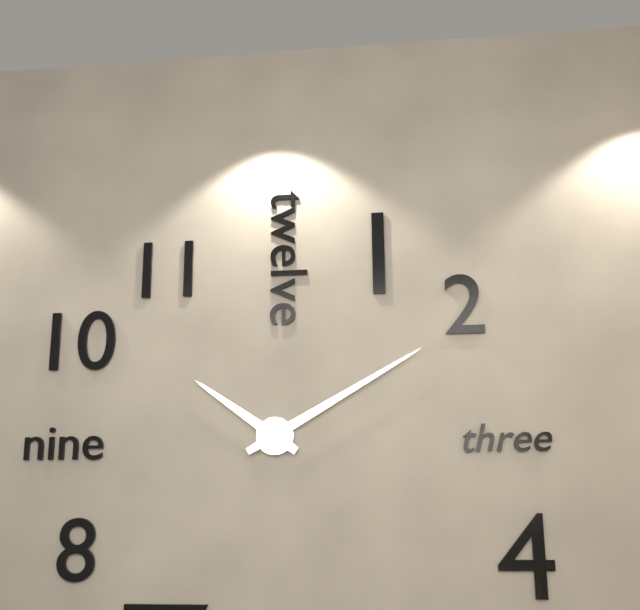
10:10
